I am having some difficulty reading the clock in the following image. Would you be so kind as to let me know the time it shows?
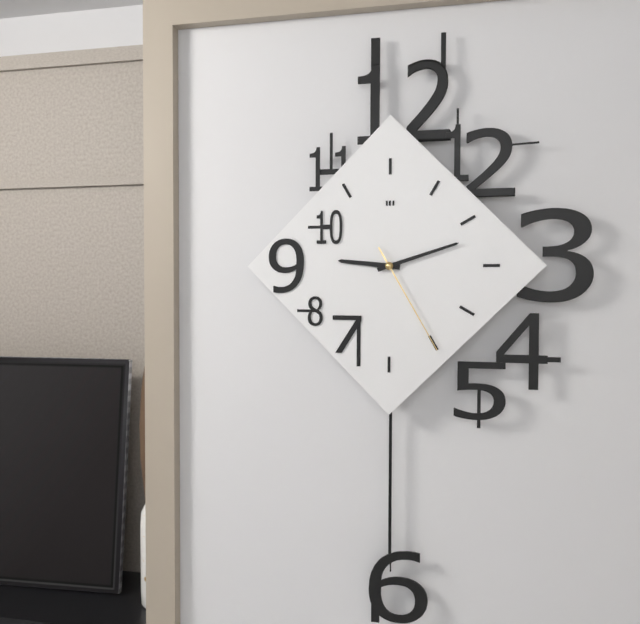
9:12:25
